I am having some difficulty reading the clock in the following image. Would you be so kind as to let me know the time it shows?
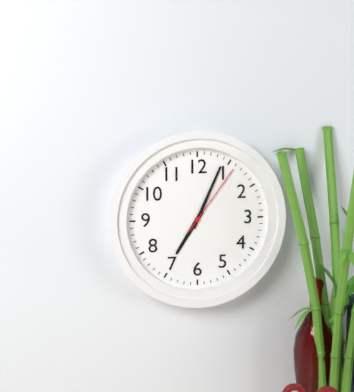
7:04:06
